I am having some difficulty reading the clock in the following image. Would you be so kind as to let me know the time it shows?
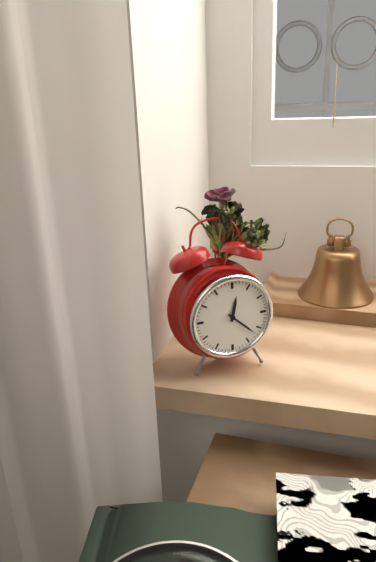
12:22
